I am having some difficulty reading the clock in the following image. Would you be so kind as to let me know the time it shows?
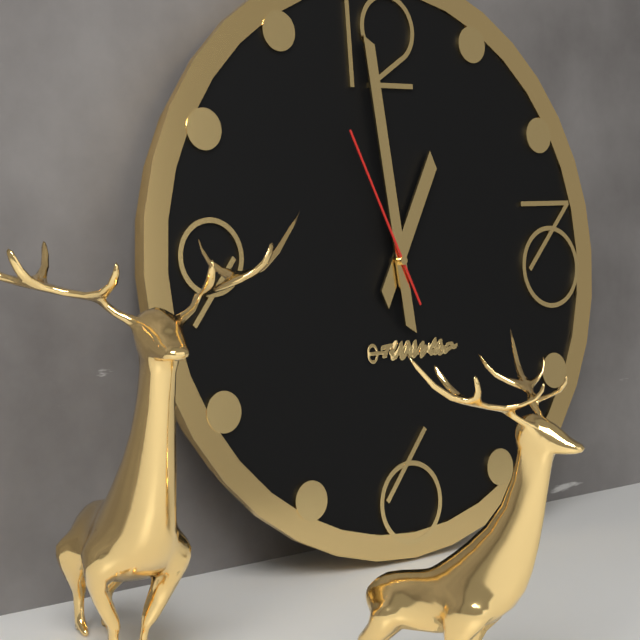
12:59:56
